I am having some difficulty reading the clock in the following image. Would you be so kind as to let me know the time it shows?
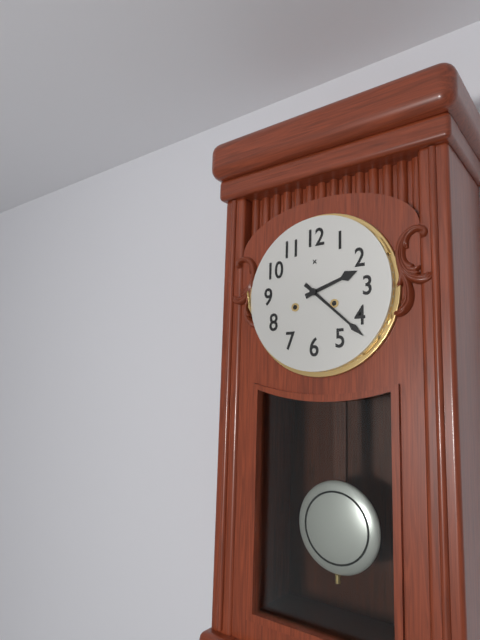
2:22
